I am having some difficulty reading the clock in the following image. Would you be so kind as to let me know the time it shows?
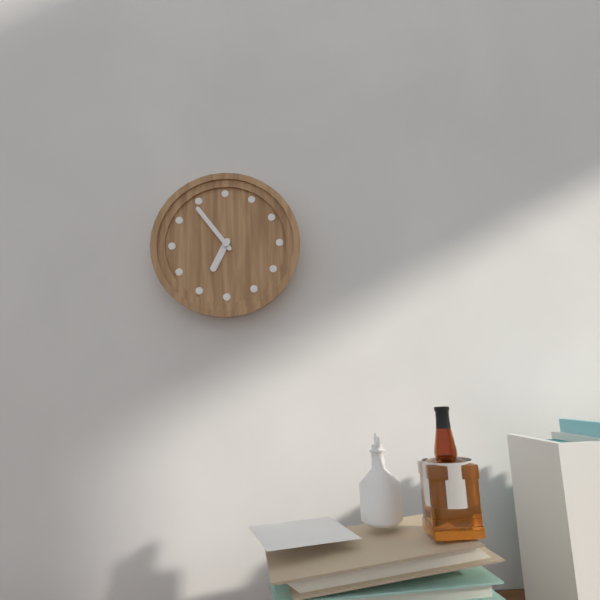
6:54
